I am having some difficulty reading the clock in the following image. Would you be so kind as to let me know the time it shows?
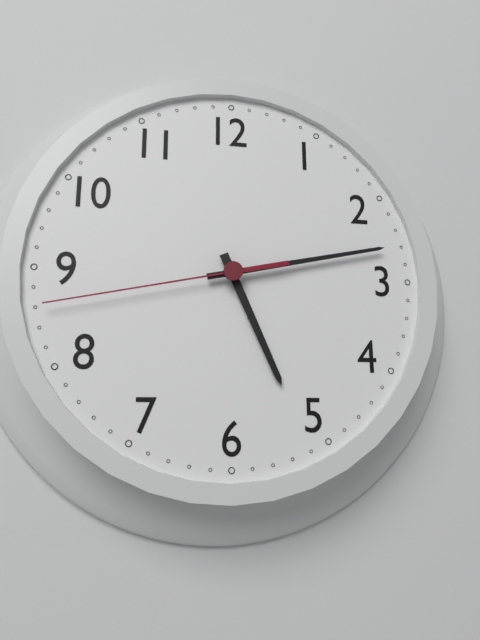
5:13:43
